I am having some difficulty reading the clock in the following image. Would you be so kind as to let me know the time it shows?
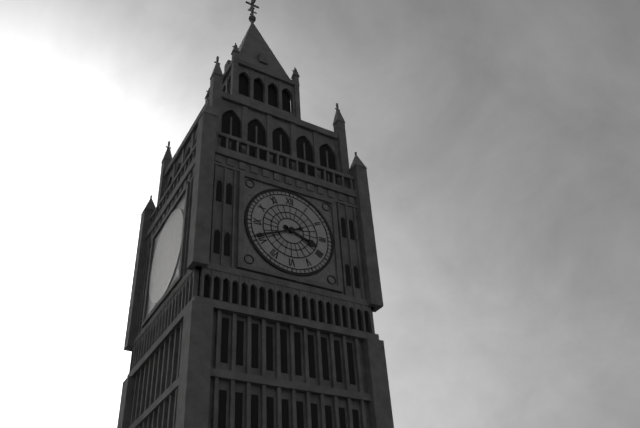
3:41
